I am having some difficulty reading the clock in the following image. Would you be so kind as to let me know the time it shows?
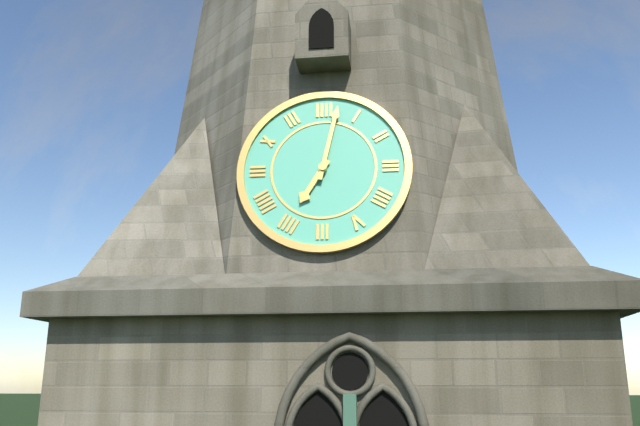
7:02
